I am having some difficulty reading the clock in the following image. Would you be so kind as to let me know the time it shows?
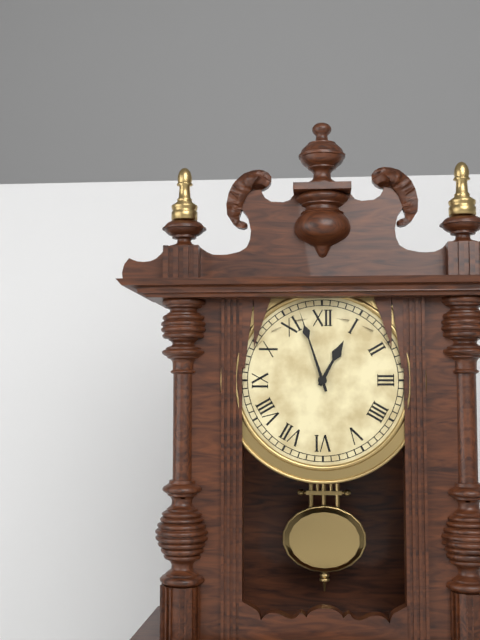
12:57
